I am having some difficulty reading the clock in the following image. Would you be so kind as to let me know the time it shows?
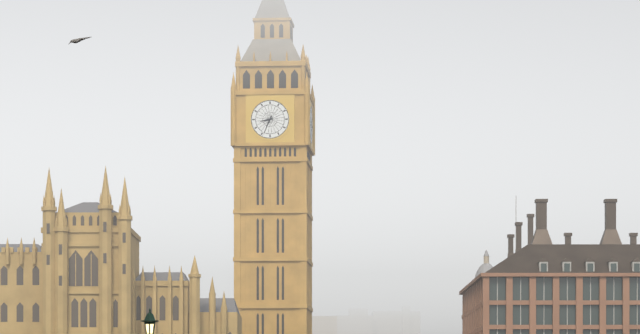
8:34
